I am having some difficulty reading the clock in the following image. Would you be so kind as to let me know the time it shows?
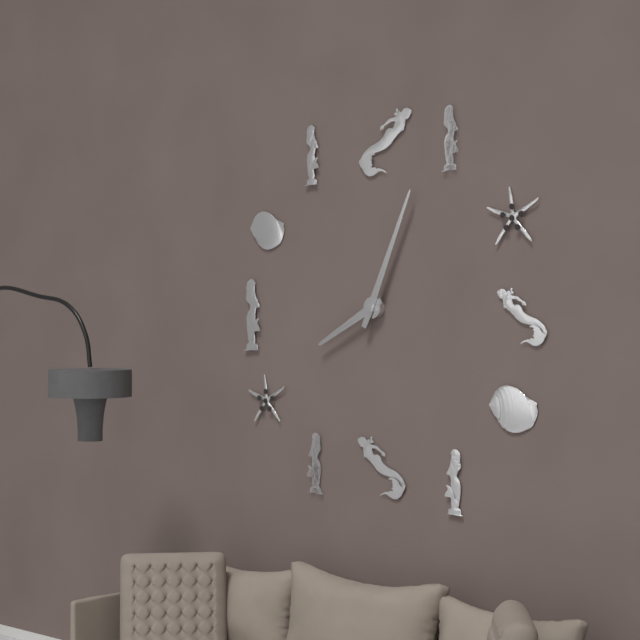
8:04
